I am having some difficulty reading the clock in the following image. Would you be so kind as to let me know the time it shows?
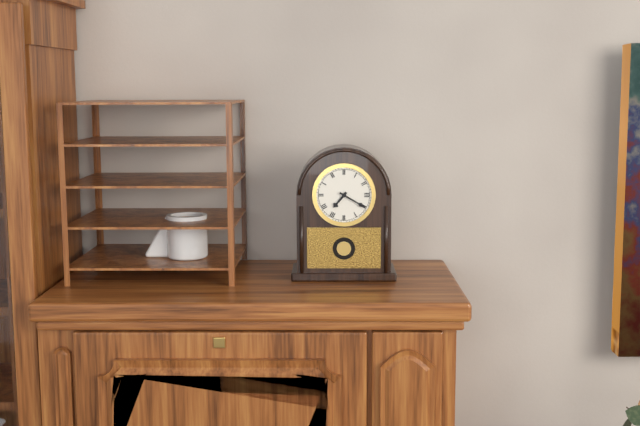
7:20
